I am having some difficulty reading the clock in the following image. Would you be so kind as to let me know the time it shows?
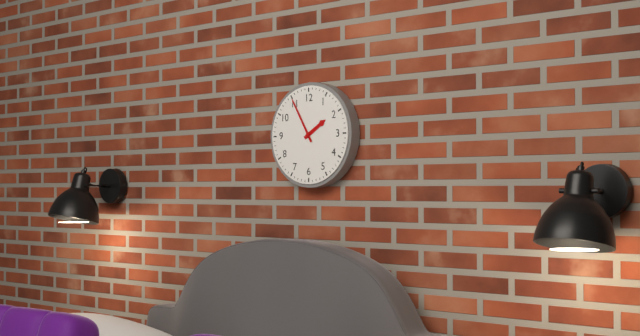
1:55
